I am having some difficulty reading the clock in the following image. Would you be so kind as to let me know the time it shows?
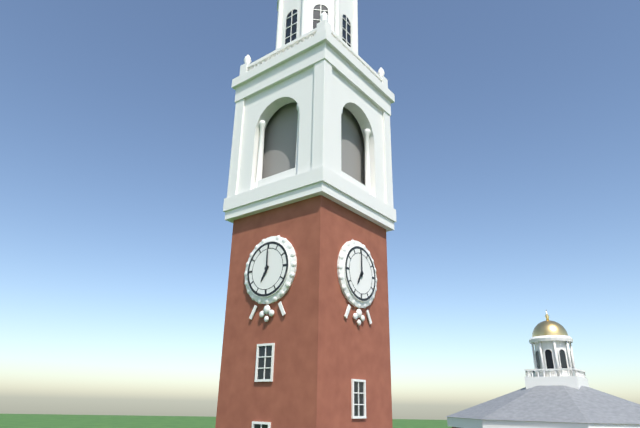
7:00
